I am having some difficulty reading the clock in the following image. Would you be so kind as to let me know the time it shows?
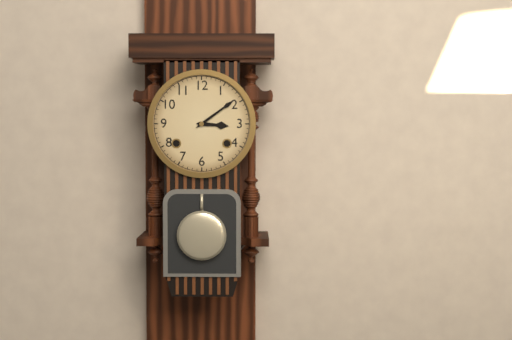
3:09
